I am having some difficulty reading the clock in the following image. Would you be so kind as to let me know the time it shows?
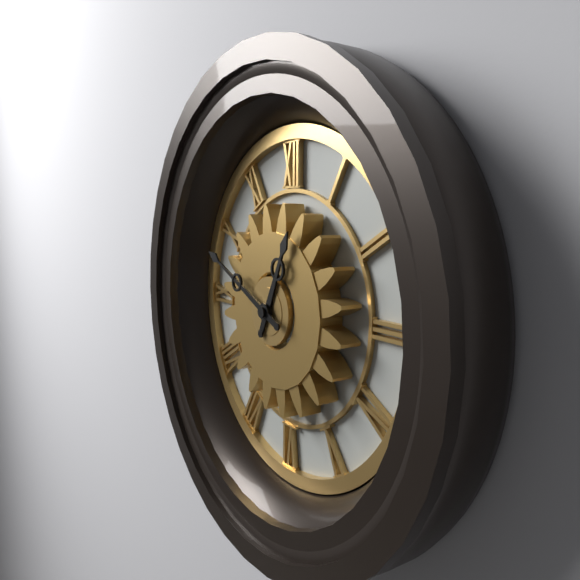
12:49
